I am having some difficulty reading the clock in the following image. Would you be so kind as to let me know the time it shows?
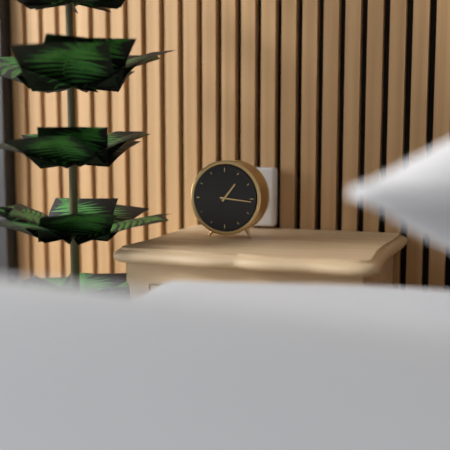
1:16
